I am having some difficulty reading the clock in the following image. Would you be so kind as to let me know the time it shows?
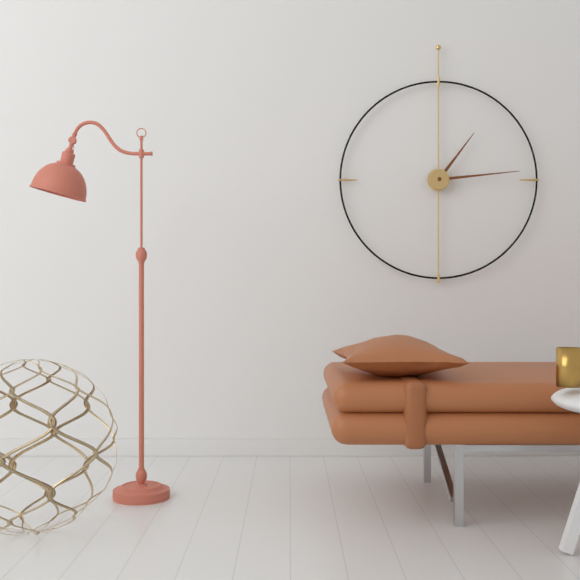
1:14
